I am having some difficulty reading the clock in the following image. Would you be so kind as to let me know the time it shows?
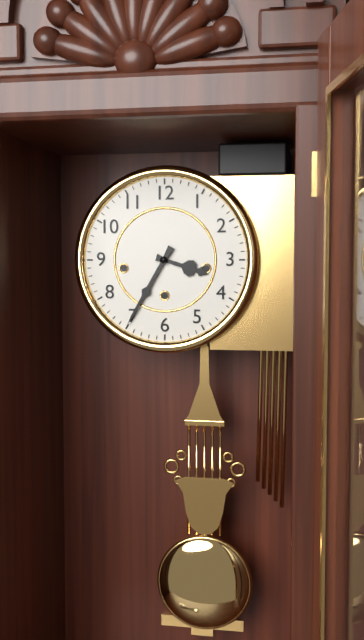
3:35
